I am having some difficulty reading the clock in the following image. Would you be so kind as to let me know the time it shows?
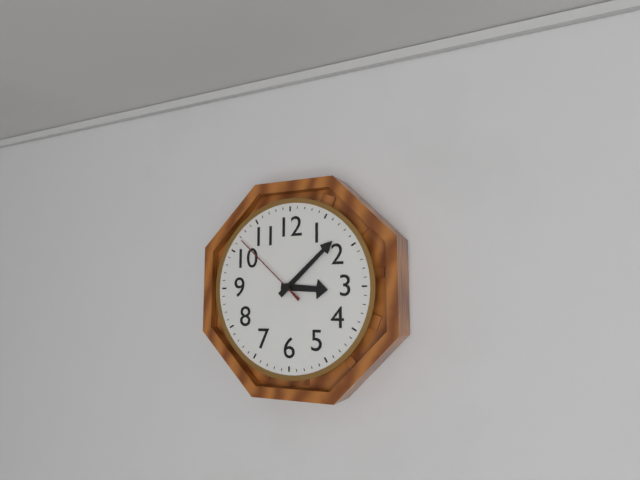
3:08:52
